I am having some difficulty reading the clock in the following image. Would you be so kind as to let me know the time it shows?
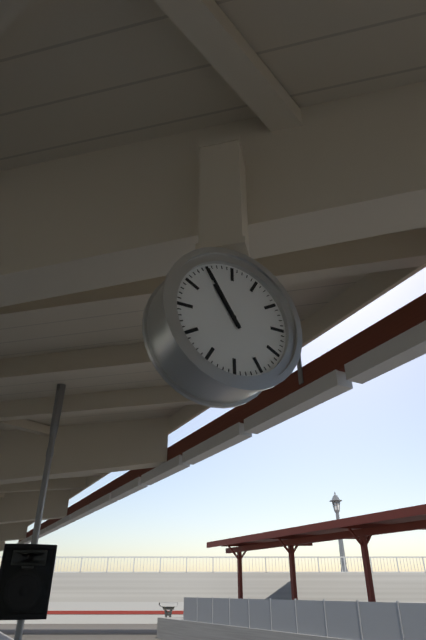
10:55
